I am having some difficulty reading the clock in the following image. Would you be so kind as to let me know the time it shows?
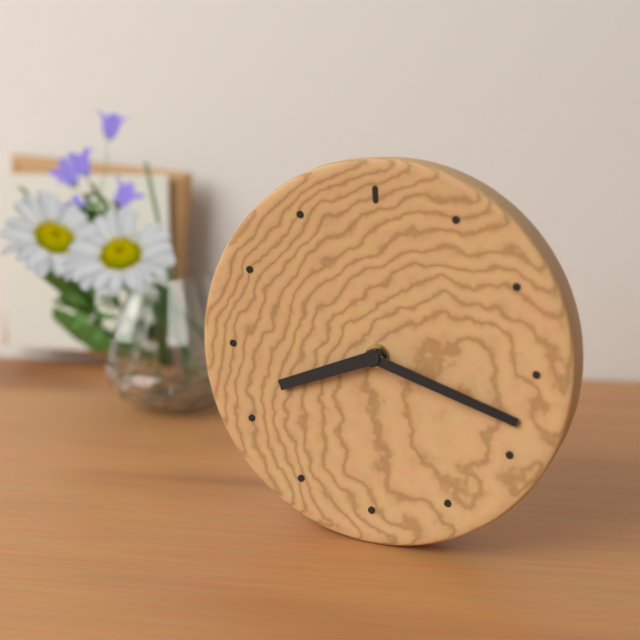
8:18
